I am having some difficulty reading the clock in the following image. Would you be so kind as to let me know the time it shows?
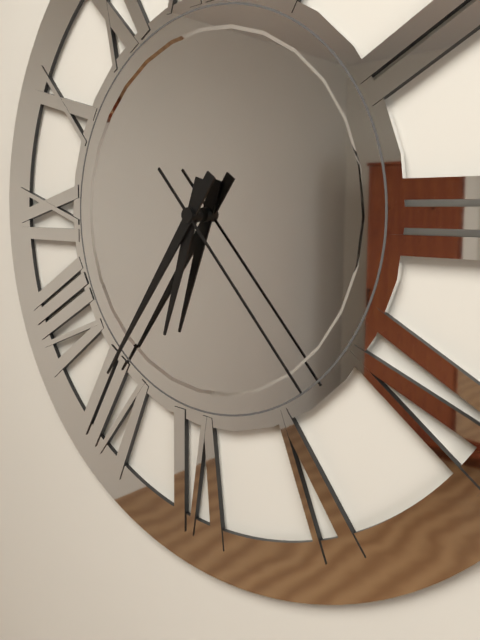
6:36:23
